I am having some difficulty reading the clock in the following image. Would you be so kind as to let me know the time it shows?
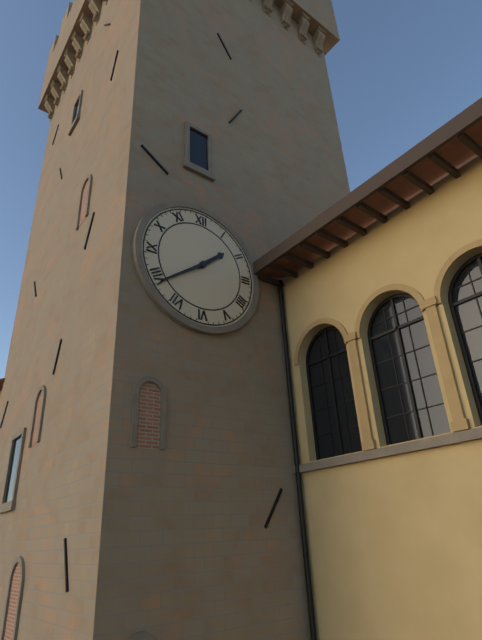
1:39
